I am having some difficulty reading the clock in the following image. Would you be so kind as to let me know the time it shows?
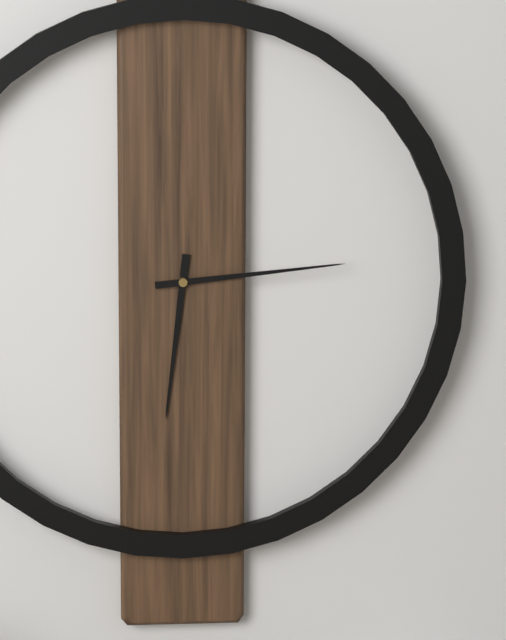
6:14
